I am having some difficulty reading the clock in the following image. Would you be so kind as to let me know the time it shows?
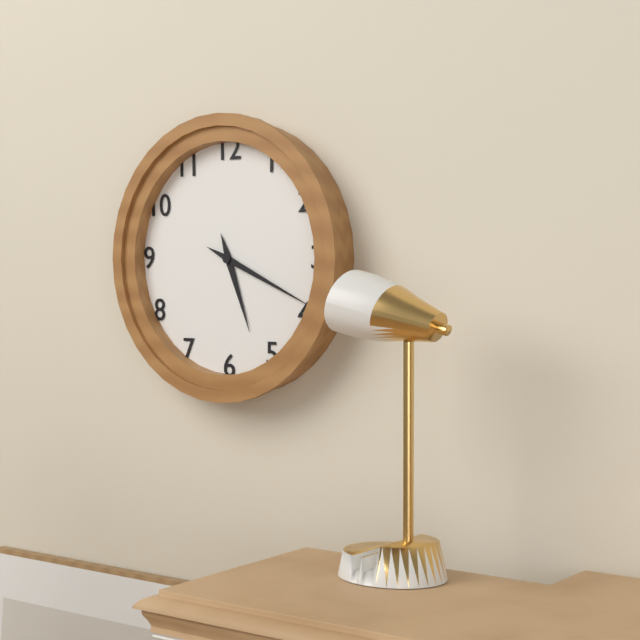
5:19
